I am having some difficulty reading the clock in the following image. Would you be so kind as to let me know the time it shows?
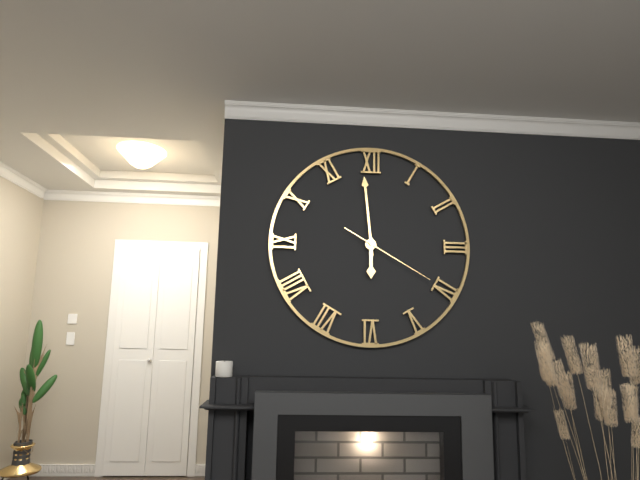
5:59:20
